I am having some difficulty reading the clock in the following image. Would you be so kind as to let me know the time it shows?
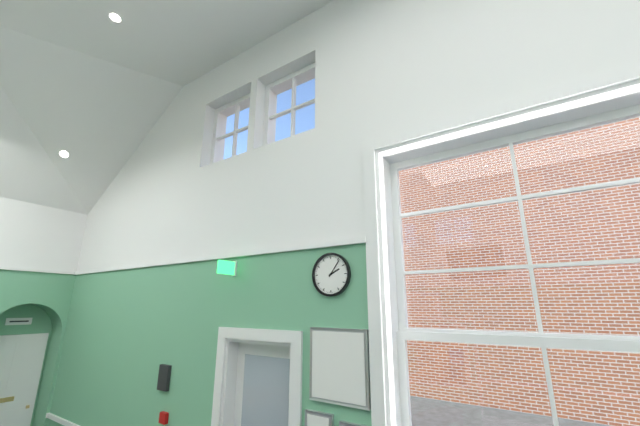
2:06
